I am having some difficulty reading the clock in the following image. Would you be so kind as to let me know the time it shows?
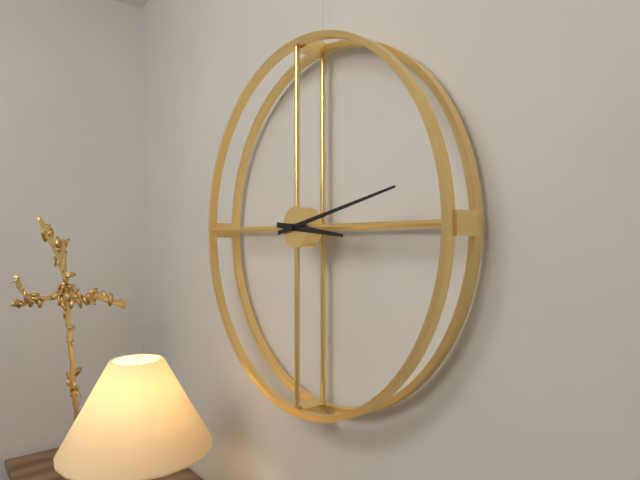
3:13
